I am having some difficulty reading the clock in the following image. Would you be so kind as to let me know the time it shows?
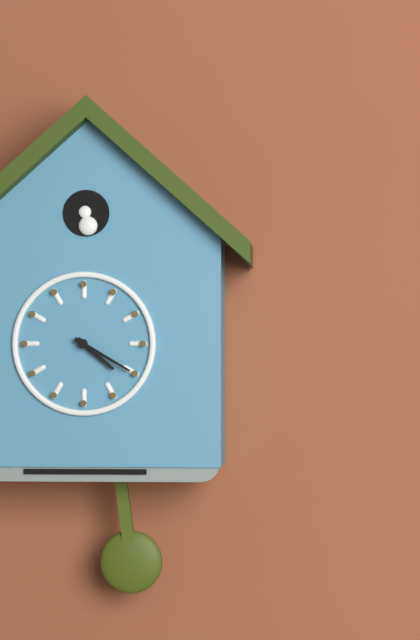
4:20
